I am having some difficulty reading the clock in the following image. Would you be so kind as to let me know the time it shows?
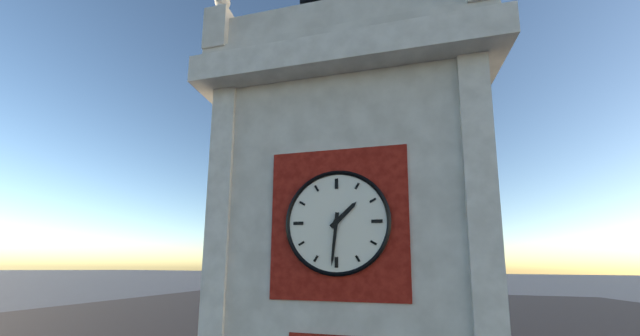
1:31
